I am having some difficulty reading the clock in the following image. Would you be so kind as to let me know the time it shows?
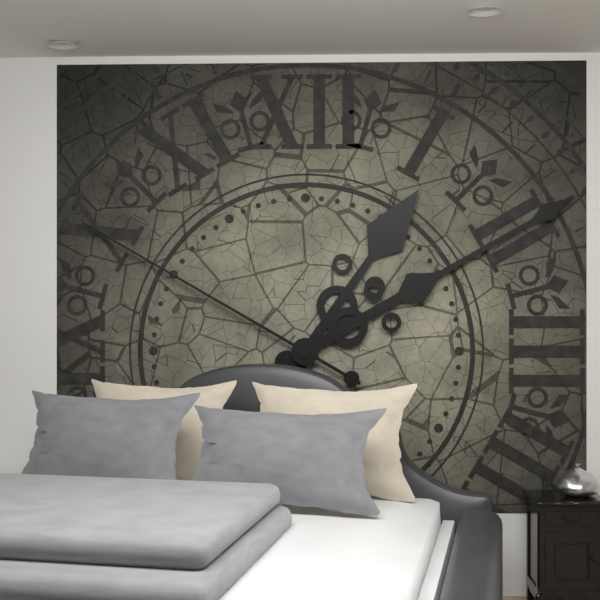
1:10:50
